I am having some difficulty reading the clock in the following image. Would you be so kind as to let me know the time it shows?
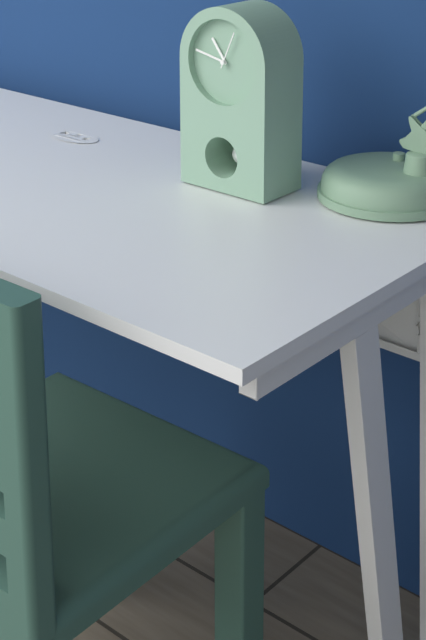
10:47
